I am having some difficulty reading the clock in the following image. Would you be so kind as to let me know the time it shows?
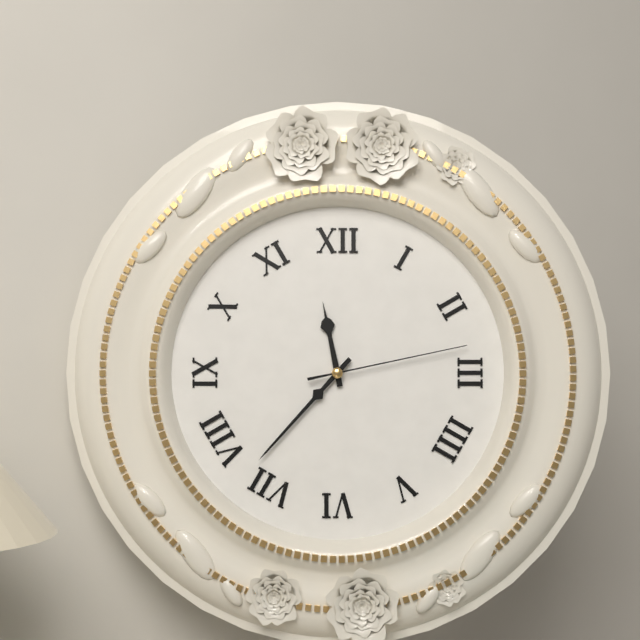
11:37:13
